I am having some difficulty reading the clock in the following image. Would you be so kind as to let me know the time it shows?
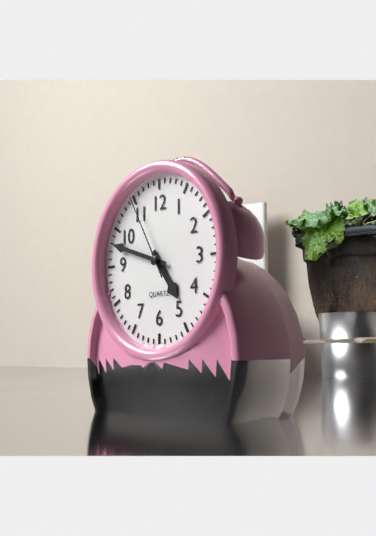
4:48:55
